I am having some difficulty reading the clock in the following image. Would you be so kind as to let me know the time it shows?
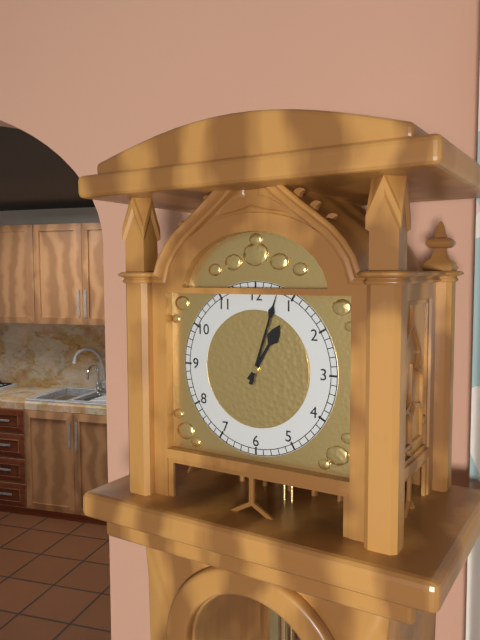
1:03
